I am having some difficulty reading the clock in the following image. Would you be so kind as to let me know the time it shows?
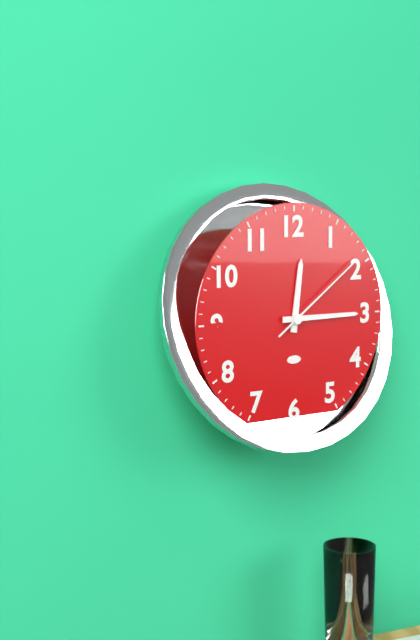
12:15:09
